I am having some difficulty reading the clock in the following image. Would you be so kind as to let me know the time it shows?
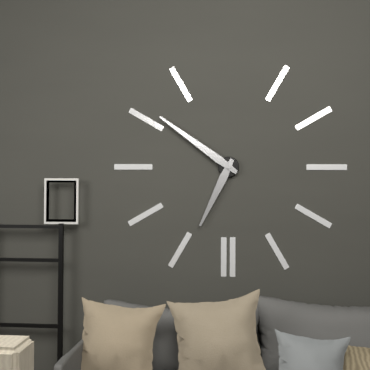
6:51
